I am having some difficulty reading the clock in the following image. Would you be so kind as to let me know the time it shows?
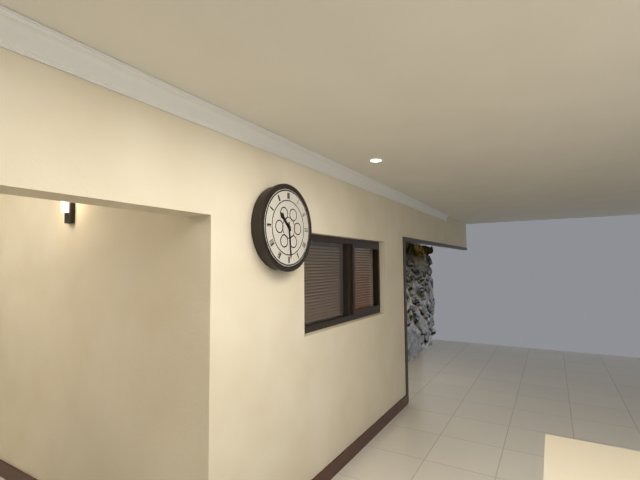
10:29
